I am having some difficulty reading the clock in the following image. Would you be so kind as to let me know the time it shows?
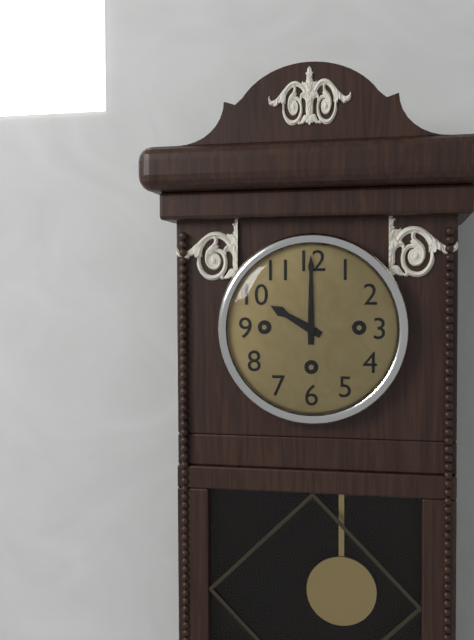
10:00
